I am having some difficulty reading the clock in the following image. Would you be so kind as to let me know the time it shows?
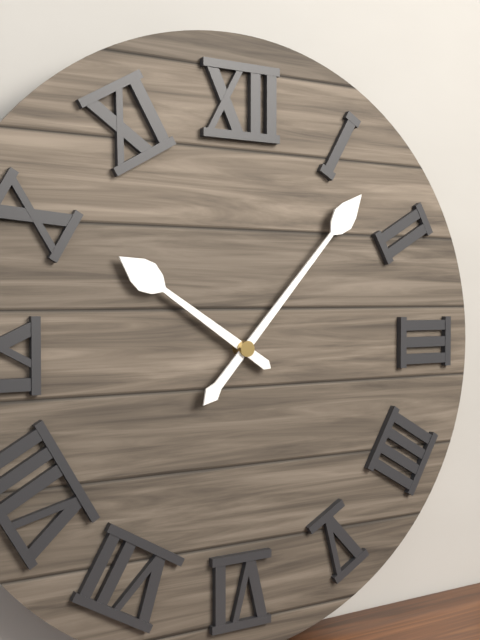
10:07
